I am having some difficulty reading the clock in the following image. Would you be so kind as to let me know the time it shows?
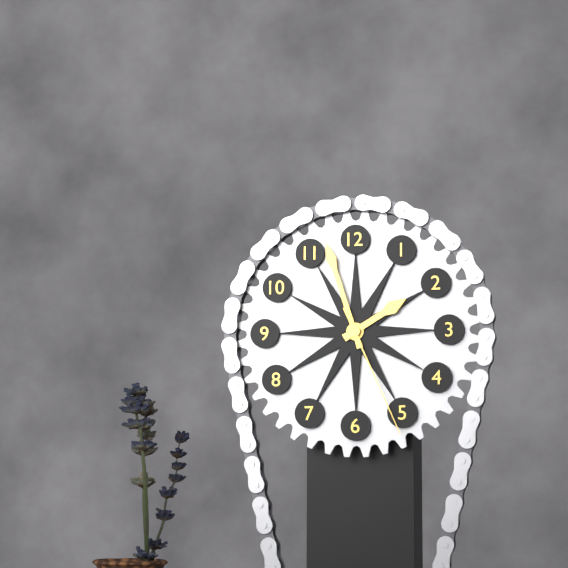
1:57:26
